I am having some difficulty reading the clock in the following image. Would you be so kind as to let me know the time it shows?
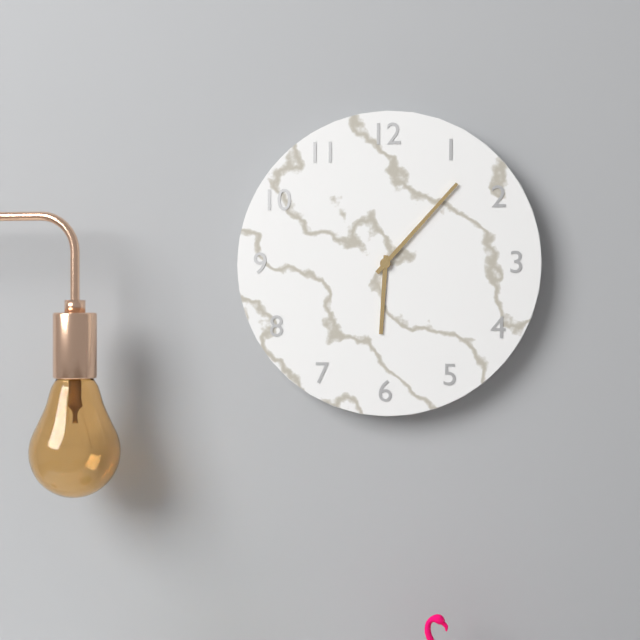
6:07
